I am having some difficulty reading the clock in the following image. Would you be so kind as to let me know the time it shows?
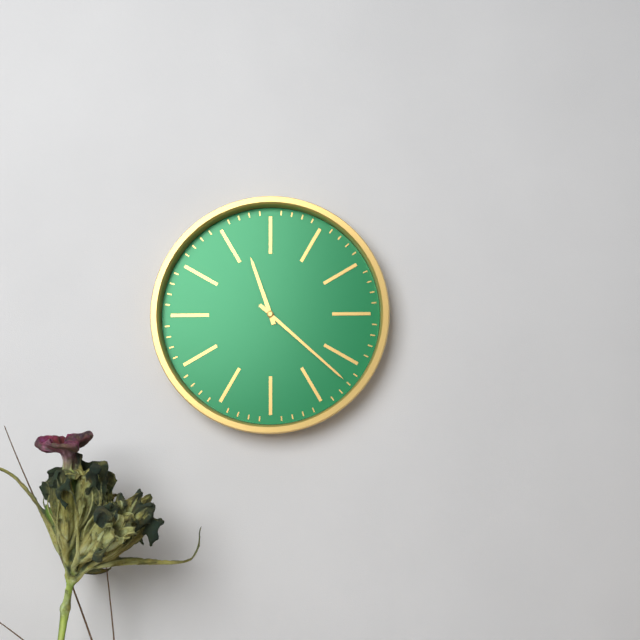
11:22
